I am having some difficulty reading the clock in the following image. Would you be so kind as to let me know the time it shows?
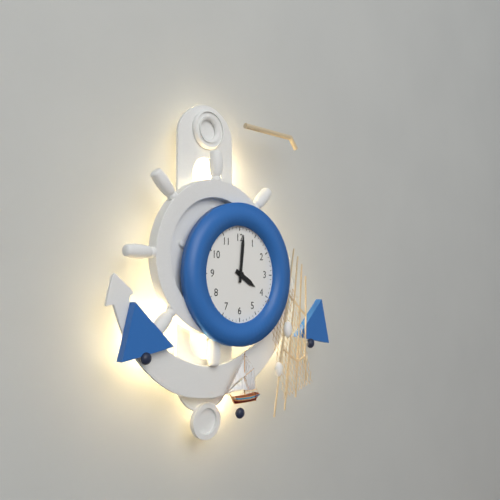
4:01
